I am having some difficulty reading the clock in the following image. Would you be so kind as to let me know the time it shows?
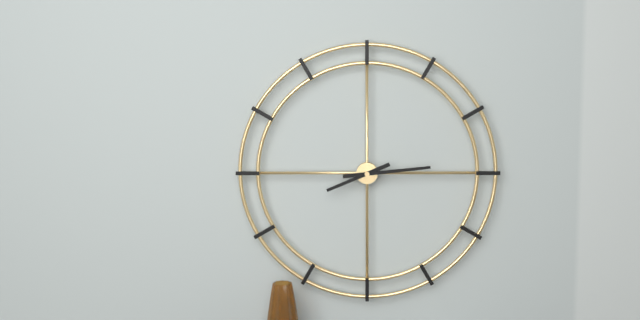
8:14
